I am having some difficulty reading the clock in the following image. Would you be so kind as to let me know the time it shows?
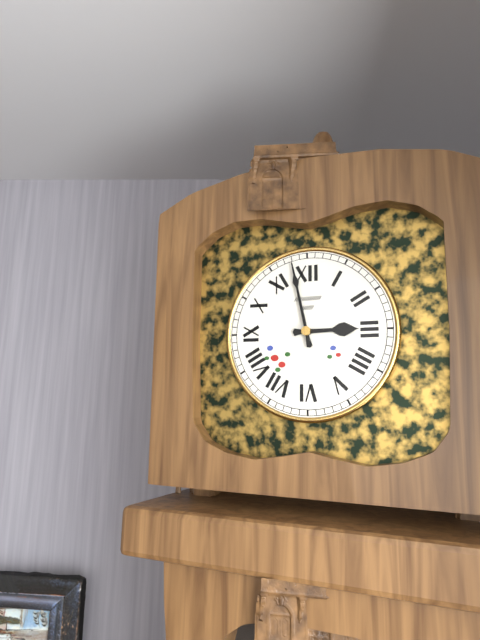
2:58
